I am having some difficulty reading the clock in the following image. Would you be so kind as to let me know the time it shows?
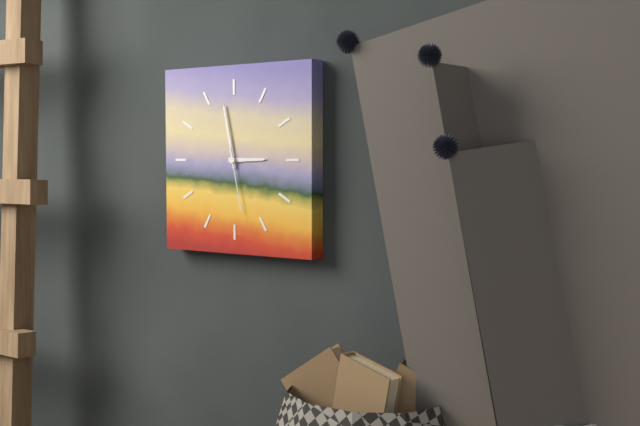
2:58:28
